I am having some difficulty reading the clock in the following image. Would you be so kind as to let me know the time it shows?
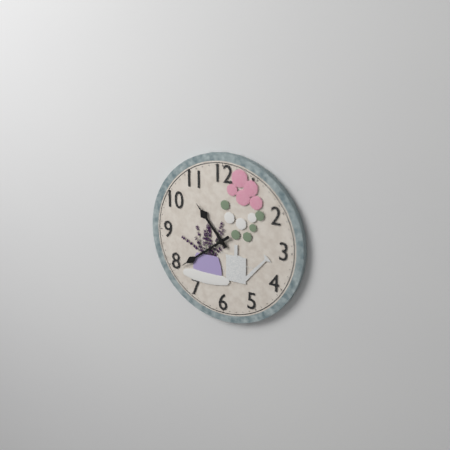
10:39
